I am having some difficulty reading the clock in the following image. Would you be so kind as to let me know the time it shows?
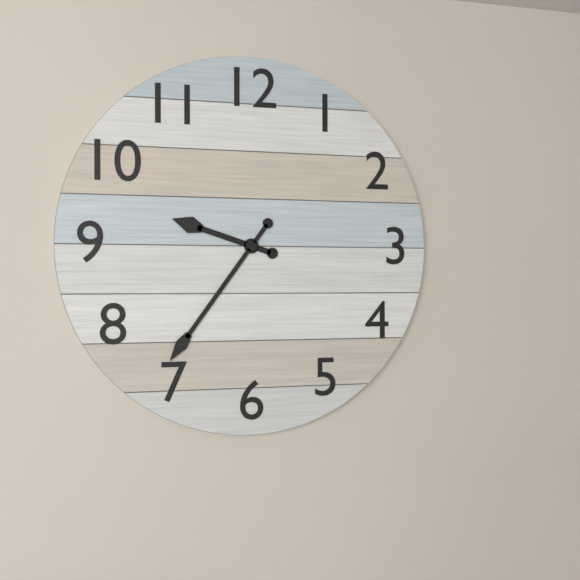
9:36
